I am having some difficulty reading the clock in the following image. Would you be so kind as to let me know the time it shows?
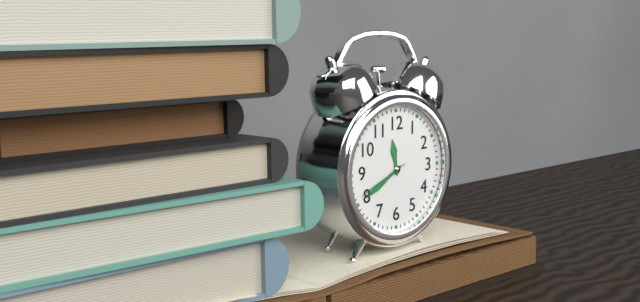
11:40:41
